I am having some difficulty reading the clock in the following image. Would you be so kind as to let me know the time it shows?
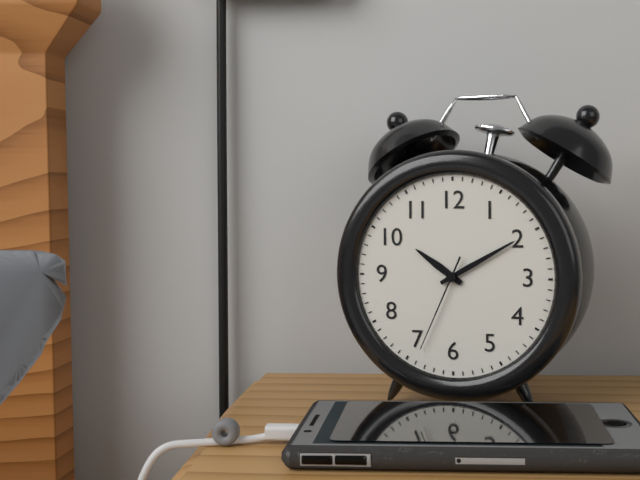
10:10:34
